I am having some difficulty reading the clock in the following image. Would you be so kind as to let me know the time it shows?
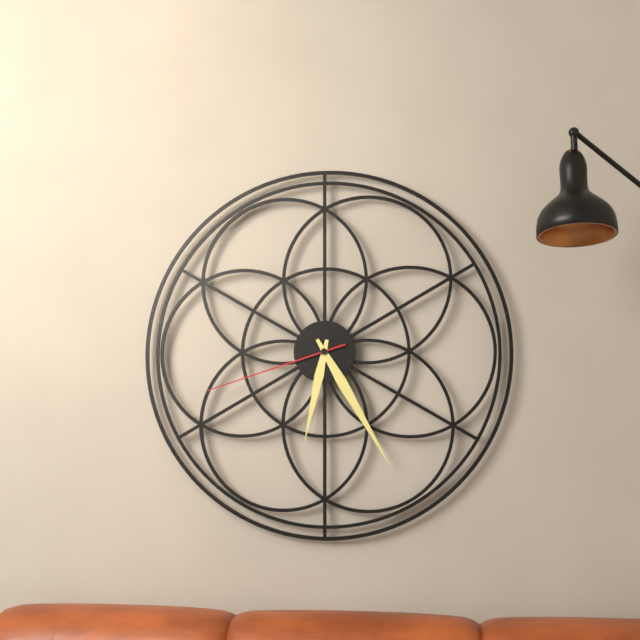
6:25:42
